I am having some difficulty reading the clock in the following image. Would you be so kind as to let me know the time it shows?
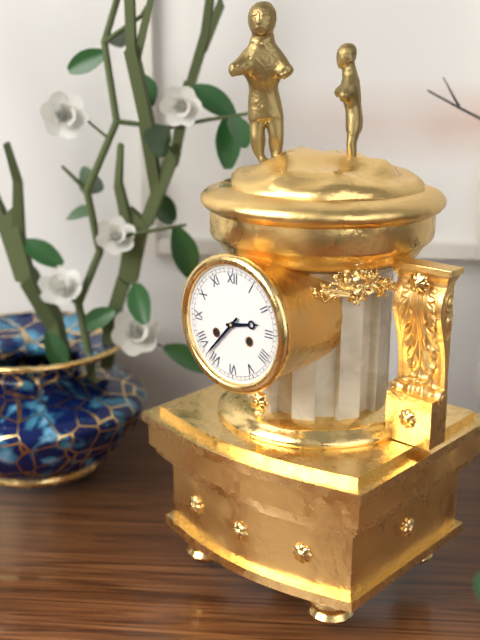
2:37
